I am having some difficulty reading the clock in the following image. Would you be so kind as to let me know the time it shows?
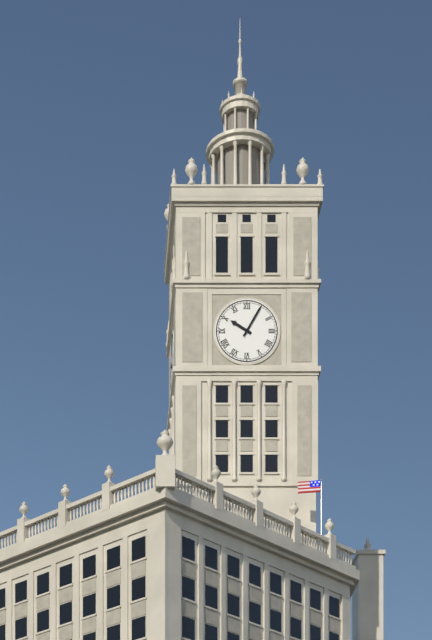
10:05
